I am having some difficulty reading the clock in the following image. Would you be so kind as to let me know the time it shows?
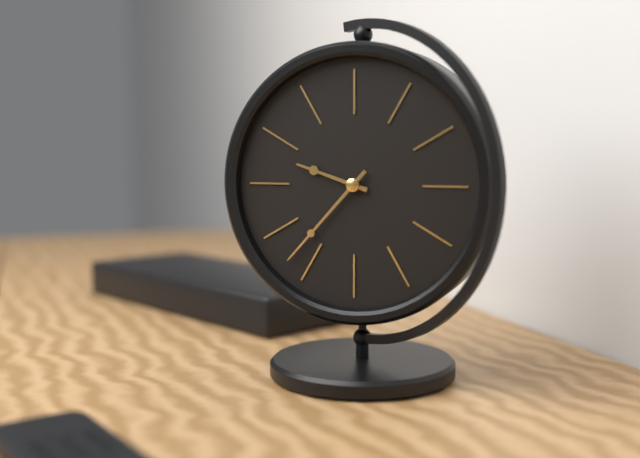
9:37
